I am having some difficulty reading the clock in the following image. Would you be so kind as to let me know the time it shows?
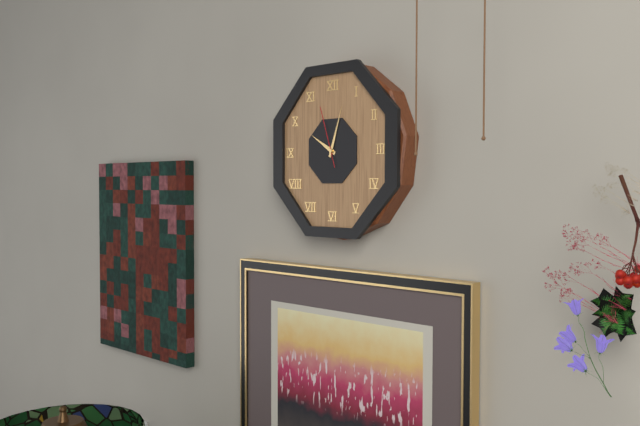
10:03:57
